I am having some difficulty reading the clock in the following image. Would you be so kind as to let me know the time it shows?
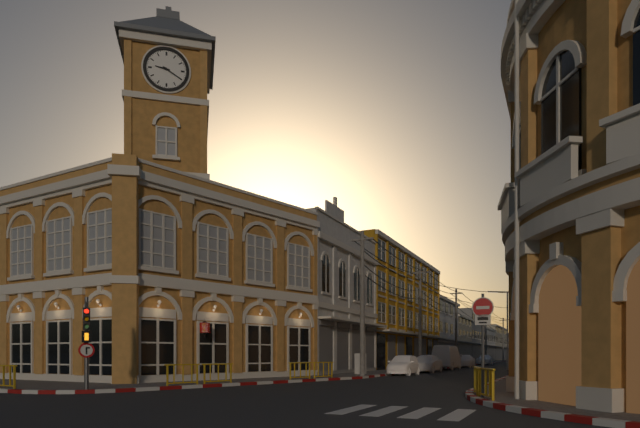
9:20
